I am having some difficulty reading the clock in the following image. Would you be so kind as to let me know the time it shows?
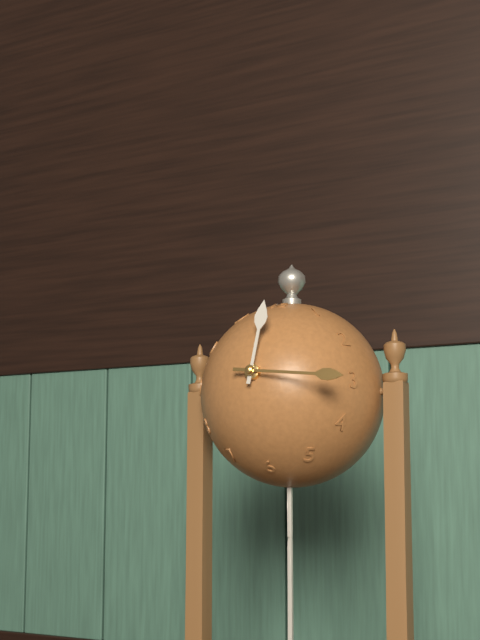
12:16
